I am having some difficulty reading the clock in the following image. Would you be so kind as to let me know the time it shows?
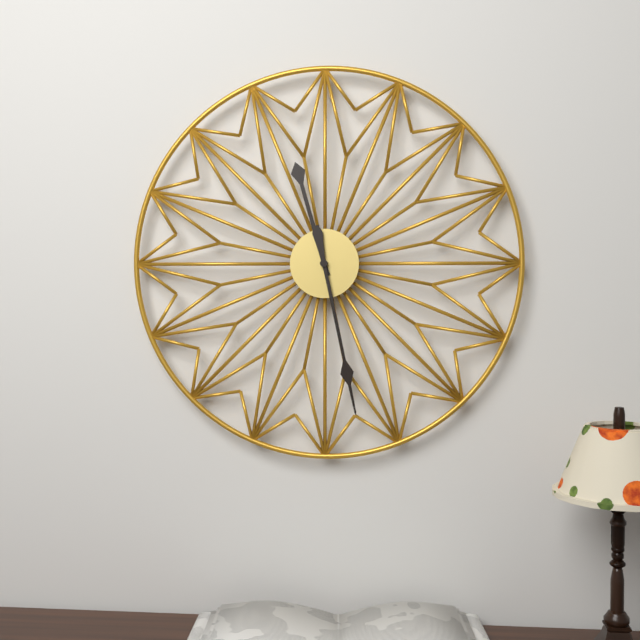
11:28
